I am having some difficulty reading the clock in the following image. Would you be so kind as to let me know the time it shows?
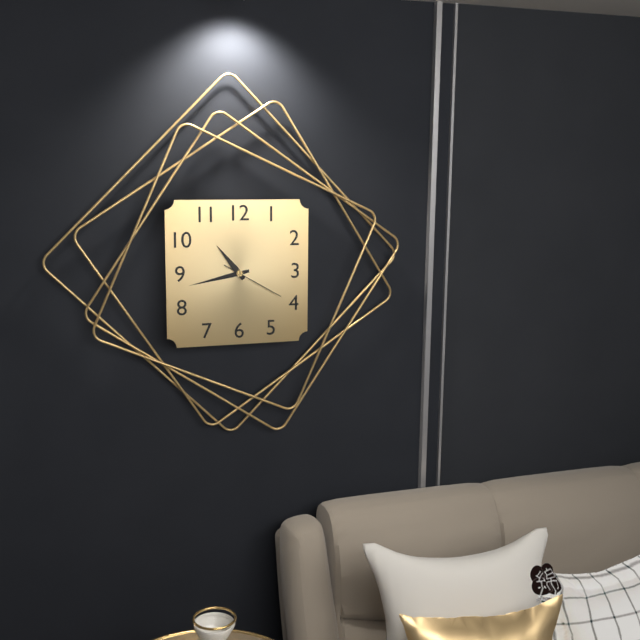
10:43:20
